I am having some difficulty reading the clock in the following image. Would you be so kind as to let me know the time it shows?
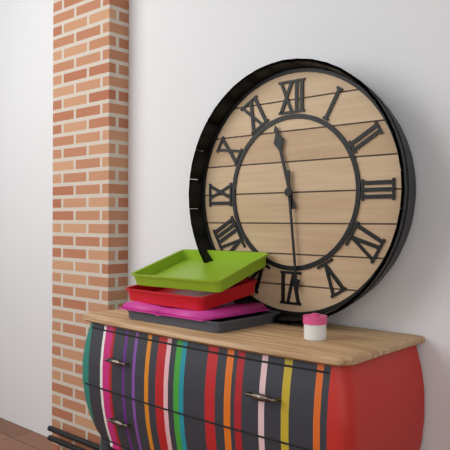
11:29
